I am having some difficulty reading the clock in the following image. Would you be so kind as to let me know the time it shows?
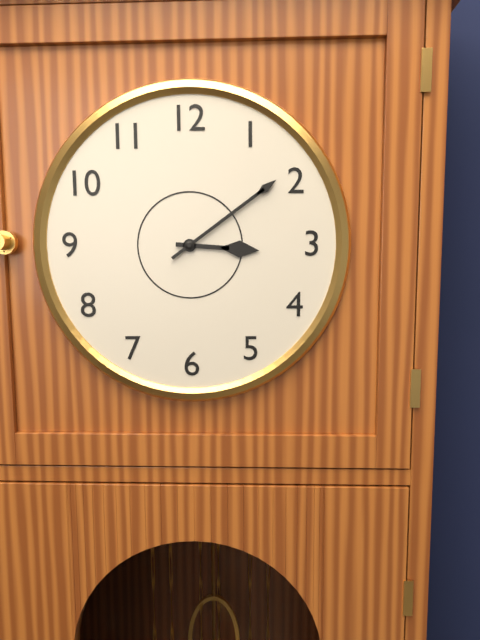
3:09
